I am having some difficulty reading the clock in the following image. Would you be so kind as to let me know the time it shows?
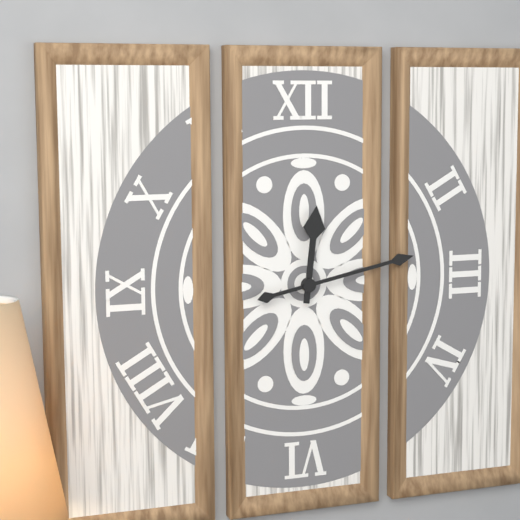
12:13
